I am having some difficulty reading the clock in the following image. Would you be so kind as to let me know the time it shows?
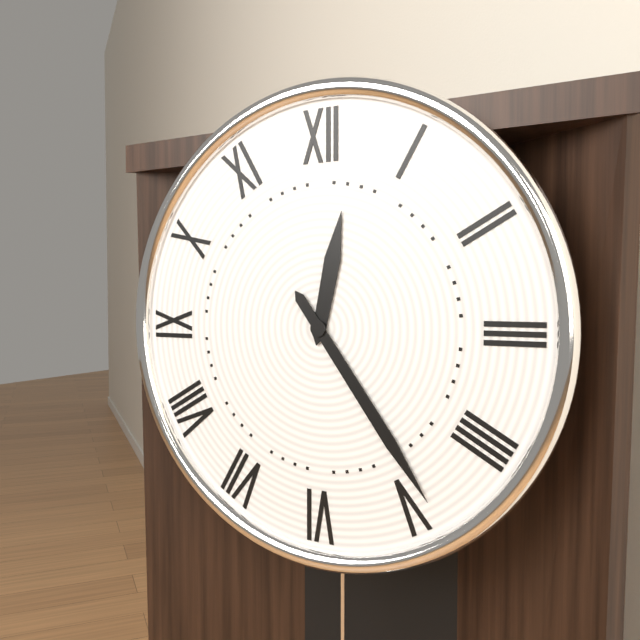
12:24
